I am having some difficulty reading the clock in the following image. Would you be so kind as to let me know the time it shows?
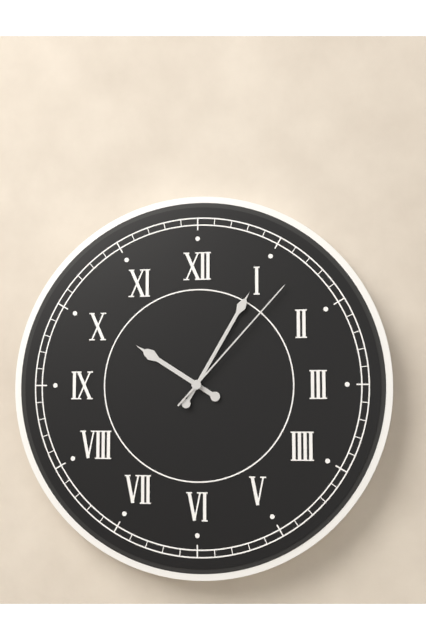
10:05:07
